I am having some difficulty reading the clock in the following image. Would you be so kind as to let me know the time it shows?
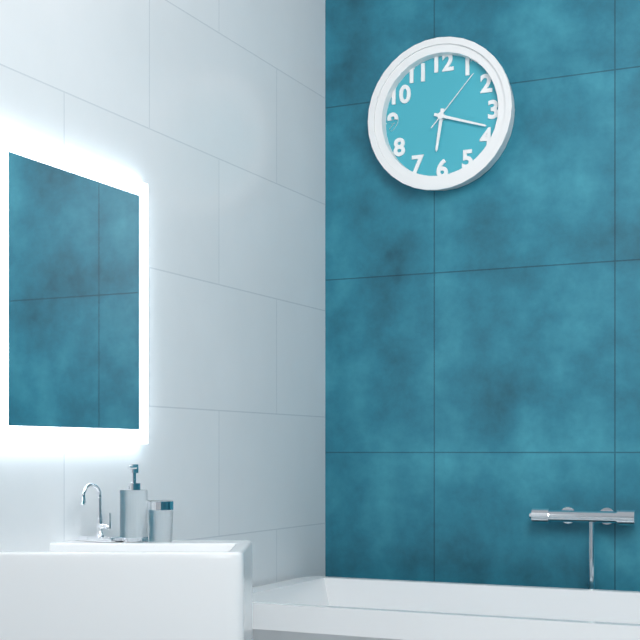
6:18:07
